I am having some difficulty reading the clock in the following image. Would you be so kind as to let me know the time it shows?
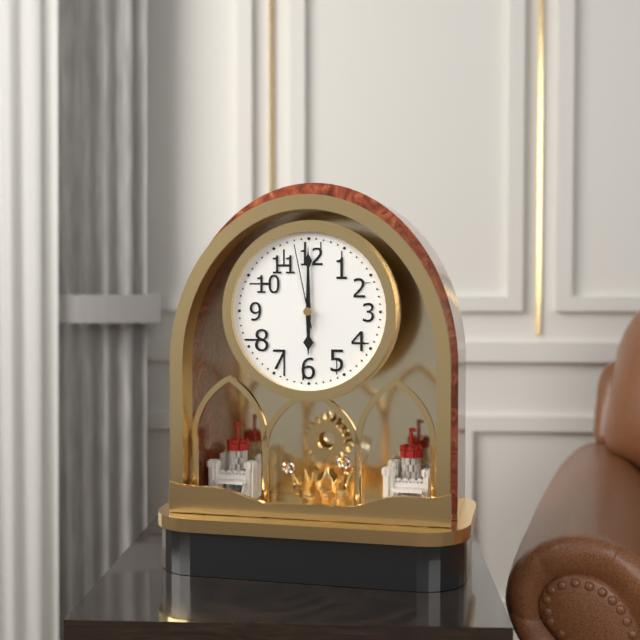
6:00:58
